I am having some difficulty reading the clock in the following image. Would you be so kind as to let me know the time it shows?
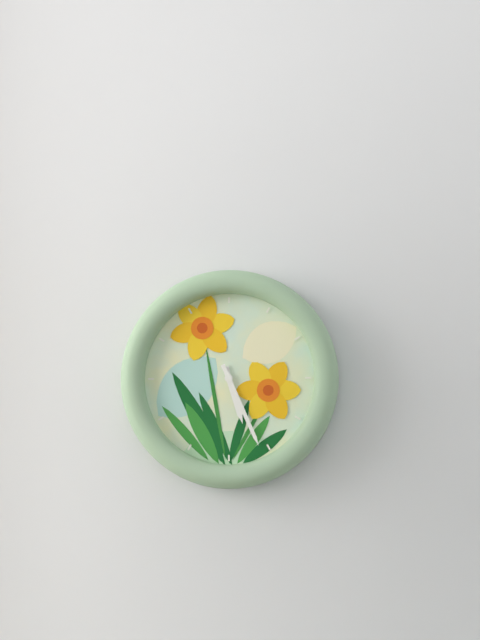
5:26
